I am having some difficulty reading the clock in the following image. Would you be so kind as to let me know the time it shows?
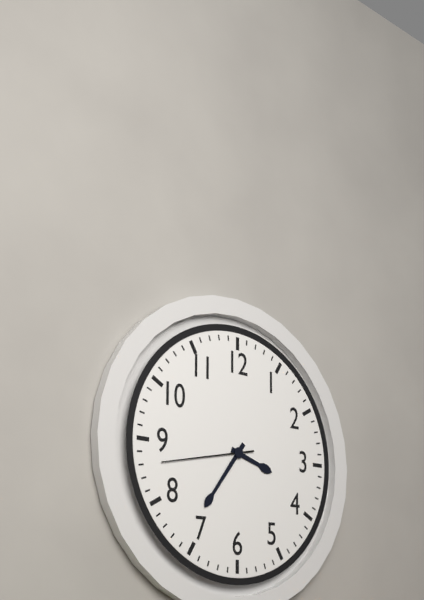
3:36:43
